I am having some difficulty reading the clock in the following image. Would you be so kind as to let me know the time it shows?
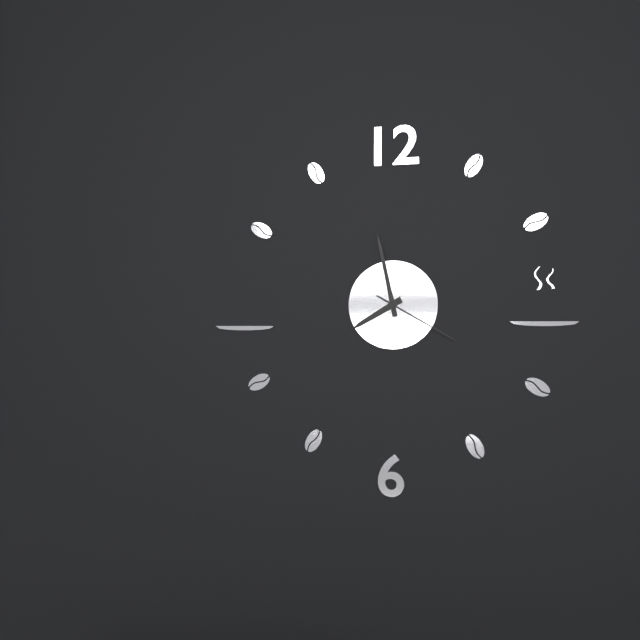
7:58:20
